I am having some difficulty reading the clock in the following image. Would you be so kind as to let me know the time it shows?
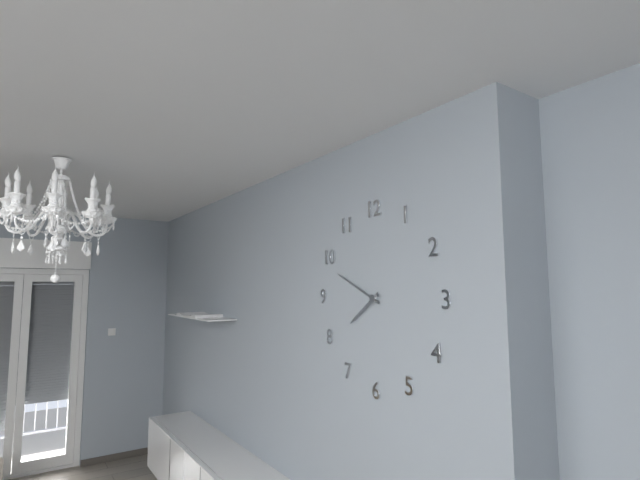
7:49
